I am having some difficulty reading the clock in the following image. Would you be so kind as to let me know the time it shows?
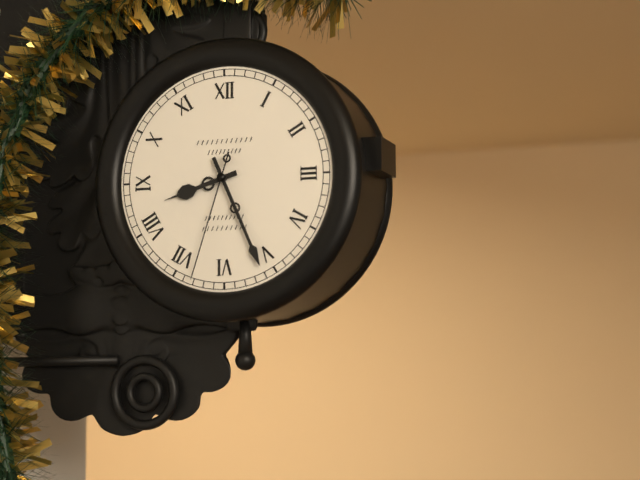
8:26:33
